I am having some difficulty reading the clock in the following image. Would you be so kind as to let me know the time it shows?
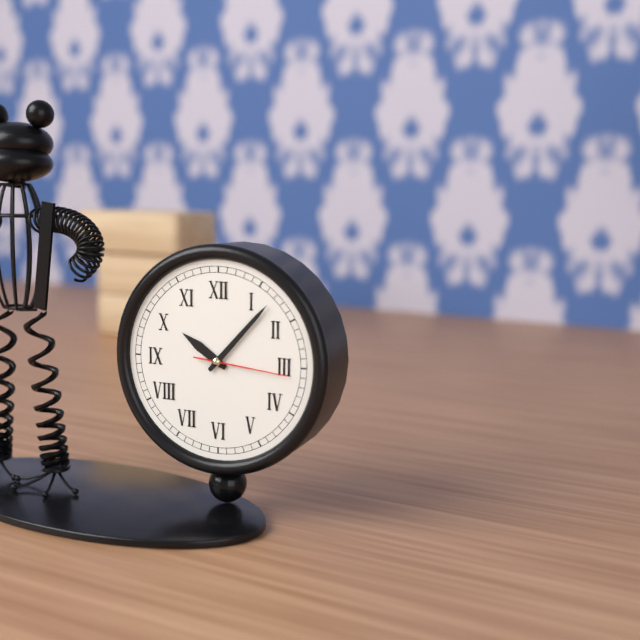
10:07:16
